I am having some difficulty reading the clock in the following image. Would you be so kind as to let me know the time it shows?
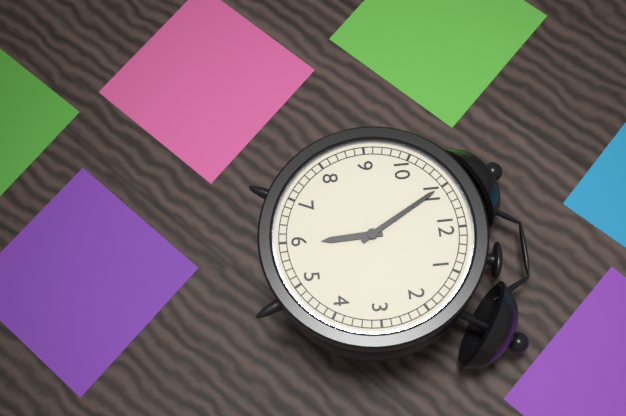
5:55
